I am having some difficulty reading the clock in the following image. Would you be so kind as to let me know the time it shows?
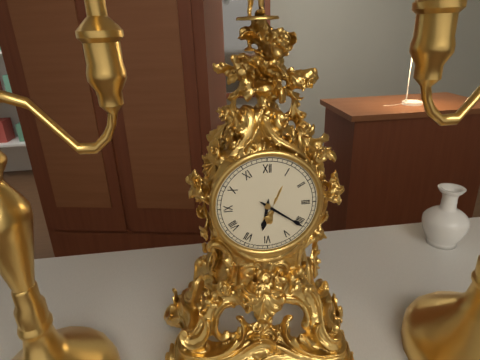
6:21
